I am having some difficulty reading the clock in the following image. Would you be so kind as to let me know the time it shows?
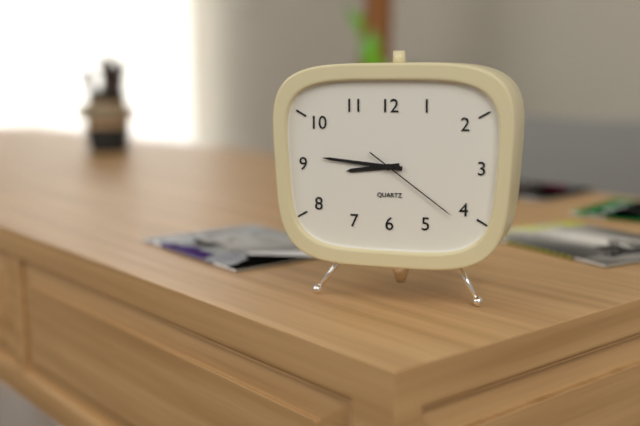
8:46:21
